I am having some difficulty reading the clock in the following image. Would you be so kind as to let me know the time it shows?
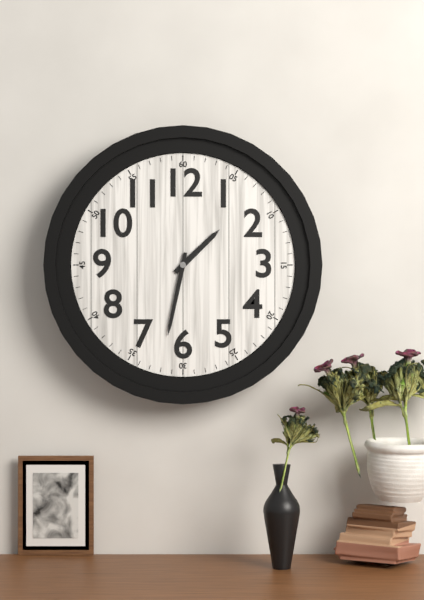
1:32
